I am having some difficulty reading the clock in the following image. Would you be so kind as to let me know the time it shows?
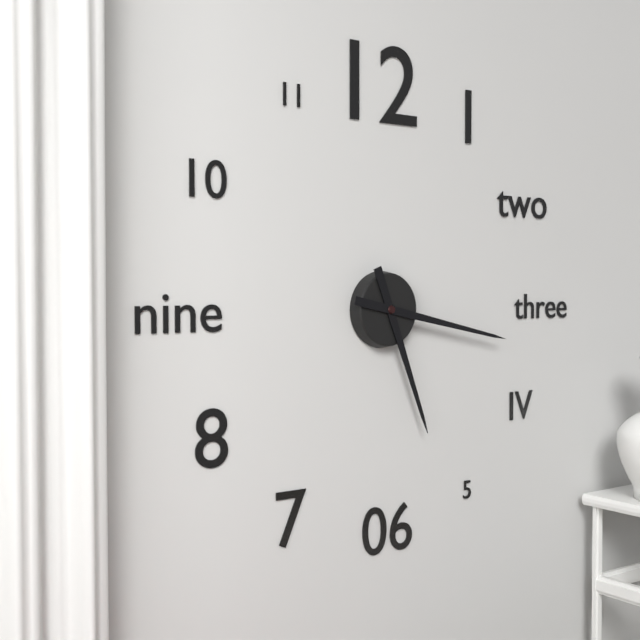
5:17
